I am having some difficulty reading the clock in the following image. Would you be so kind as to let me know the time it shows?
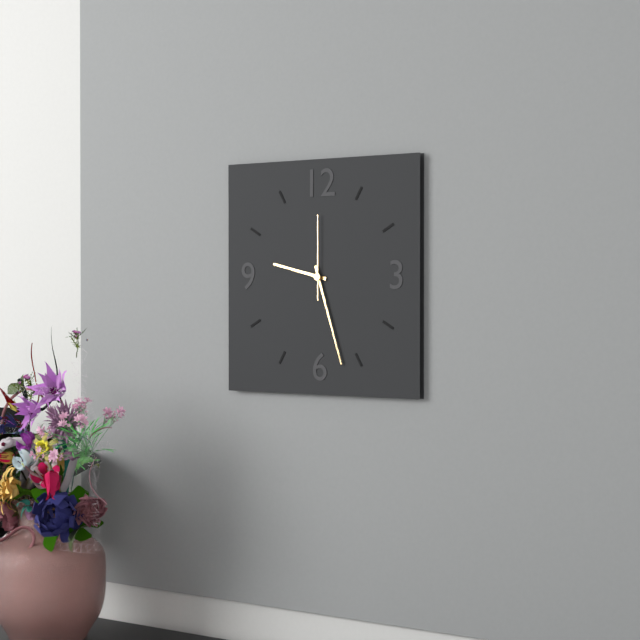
9:27:00
